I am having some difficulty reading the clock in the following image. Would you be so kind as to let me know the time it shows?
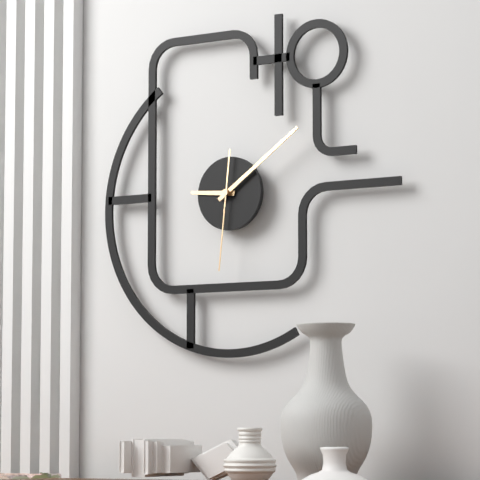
9:09:31
